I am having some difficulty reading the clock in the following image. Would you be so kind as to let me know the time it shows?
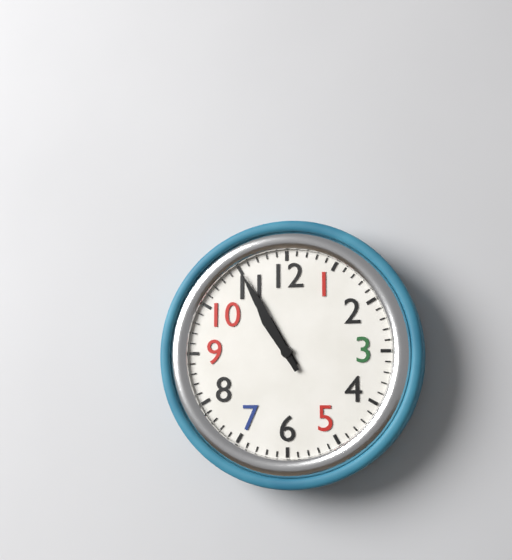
10:55
